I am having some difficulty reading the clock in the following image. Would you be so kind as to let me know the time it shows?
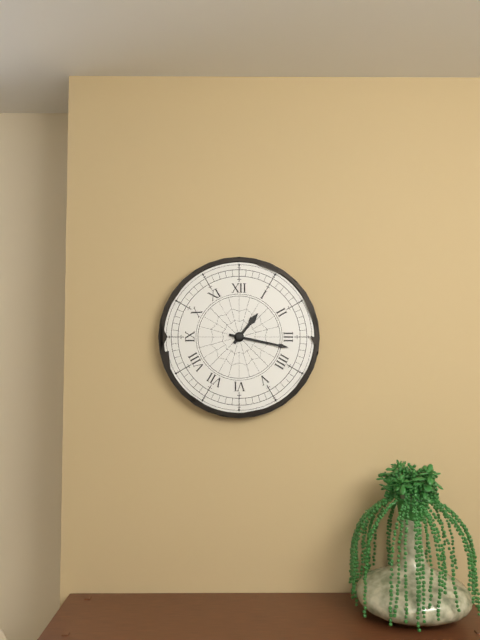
1:17
